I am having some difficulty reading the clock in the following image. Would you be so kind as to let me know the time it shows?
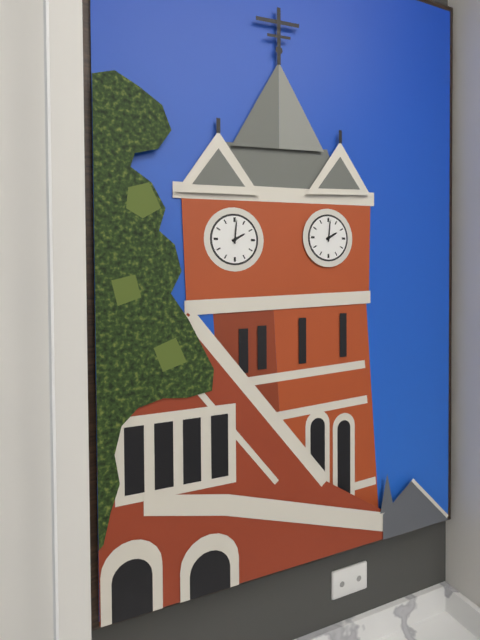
2:01
